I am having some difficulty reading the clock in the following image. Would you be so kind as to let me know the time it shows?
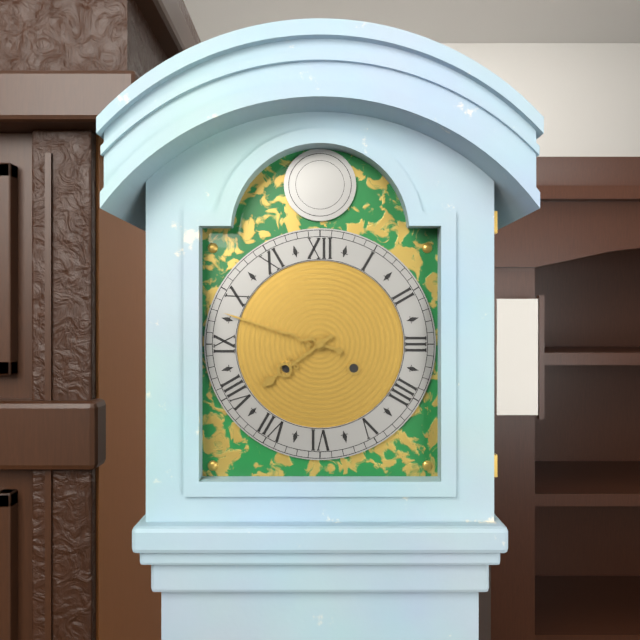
7:48
